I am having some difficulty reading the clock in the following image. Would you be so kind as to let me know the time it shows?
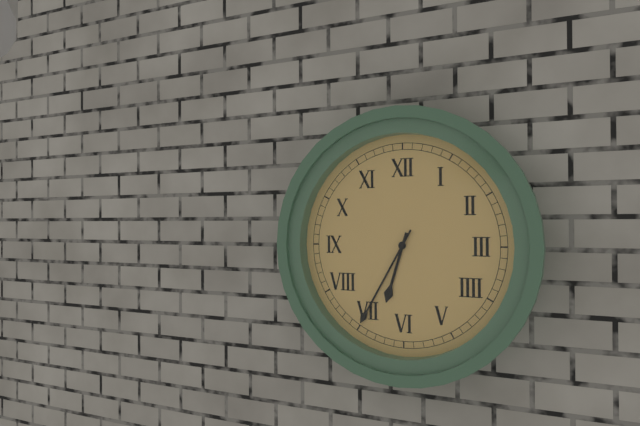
6:35
